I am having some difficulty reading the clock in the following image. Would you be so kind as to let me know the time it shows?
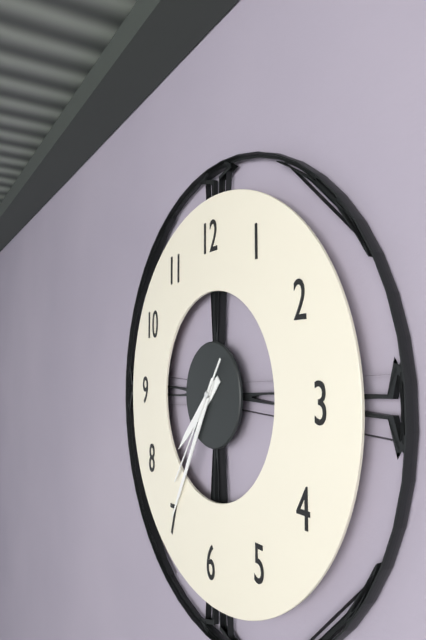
7:35:36
